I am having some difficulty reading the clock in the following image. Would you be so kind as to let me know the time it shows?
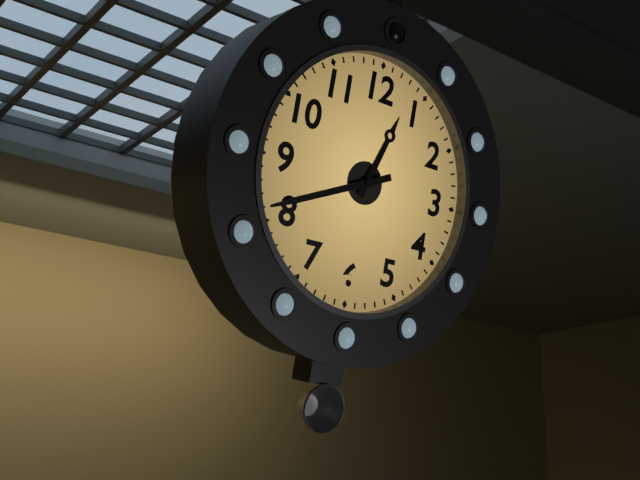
12:41
